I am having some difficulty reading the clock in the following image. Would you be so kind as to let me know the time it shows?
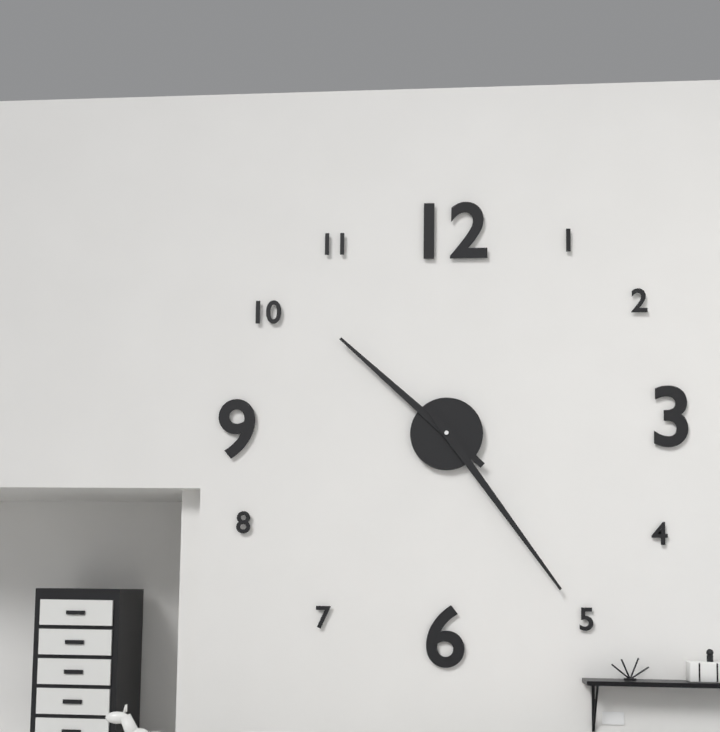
10:24
